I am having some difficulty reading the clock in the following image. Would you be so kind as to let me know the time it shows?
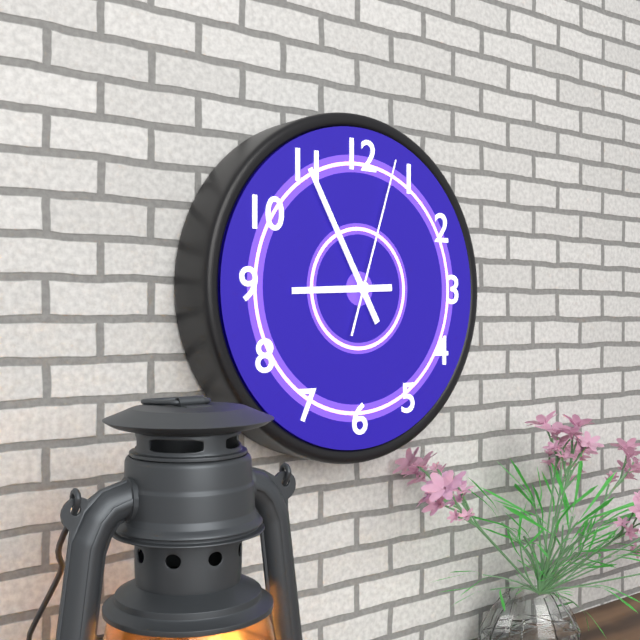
8:55:03
